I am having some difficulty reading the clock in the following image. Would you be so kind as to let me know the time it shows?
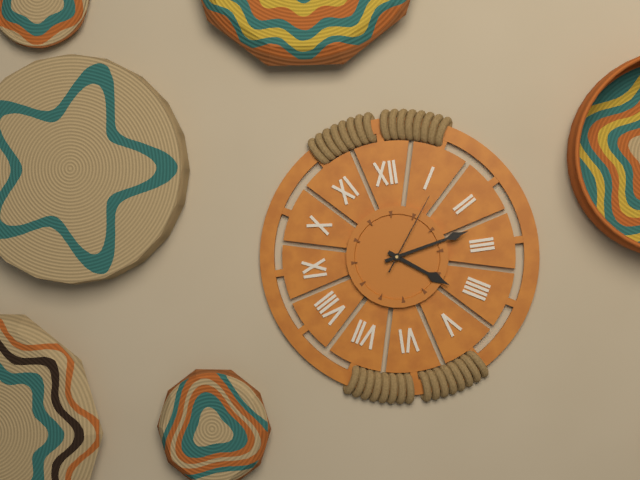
4:13:06
